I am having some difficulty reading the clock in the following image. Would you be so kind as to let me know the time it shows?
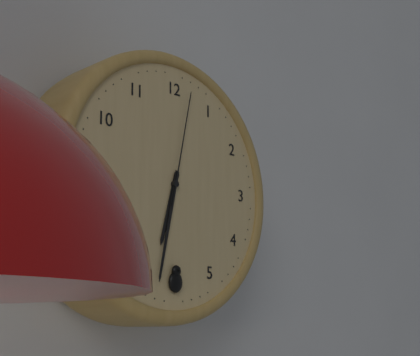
6:32:02
